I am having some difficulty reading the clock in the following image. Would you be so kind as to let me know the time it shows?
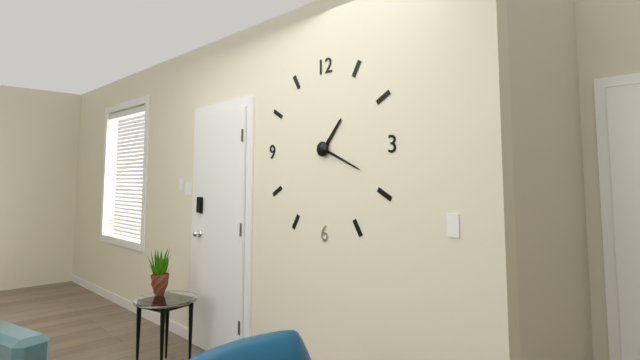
1:19
